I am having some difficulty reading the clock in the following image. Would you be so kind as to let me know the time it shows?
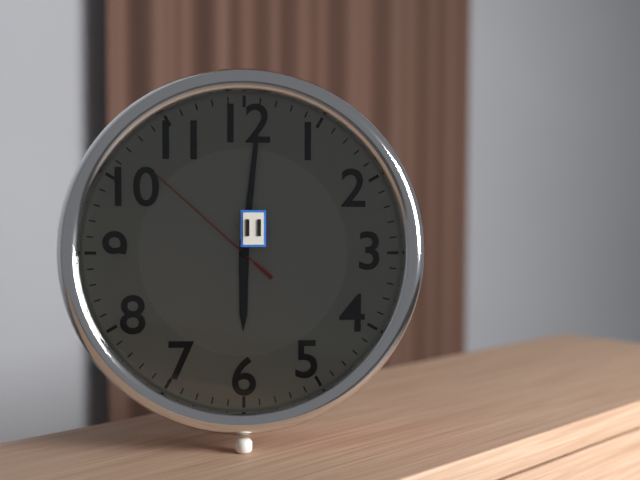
6:01:52
